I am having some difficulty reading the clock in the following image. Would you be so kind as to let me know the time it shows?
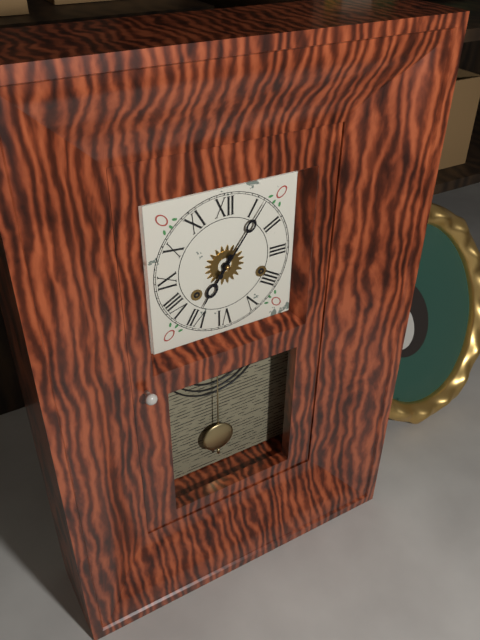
7:06
